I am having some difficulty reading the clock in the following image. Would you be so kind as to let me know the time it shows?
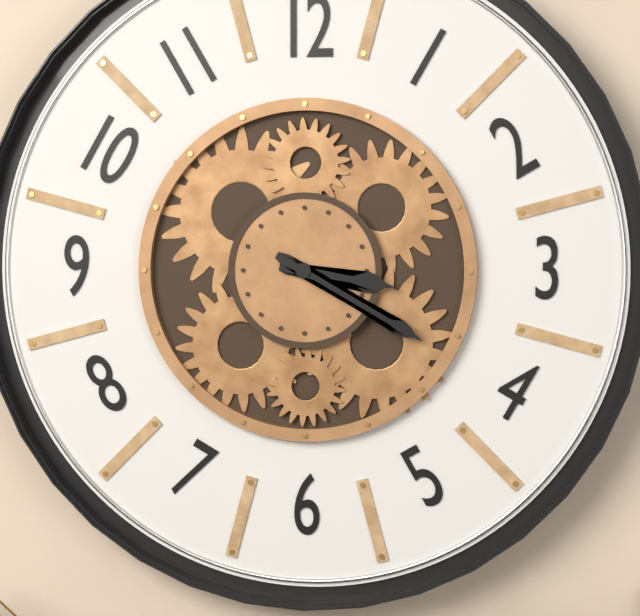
3:20
